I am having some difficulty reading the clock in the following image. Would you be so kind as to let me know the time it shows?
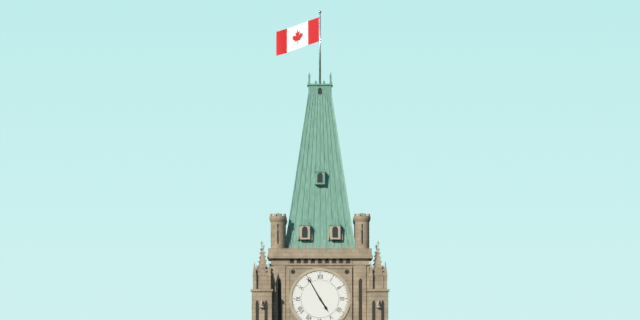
4:55
